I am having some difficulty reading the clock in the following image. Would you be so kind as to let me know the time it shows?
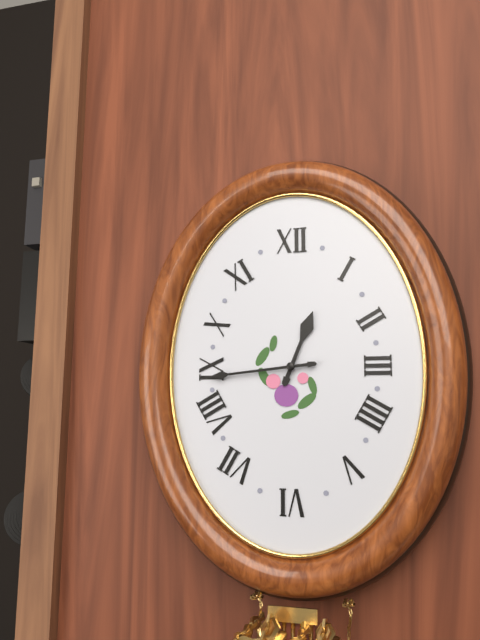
12:44
